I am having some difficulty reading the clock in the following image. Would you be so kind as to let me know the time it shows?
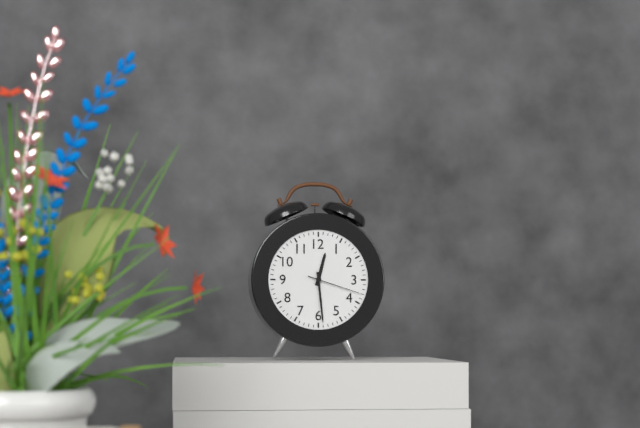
12:29:18
